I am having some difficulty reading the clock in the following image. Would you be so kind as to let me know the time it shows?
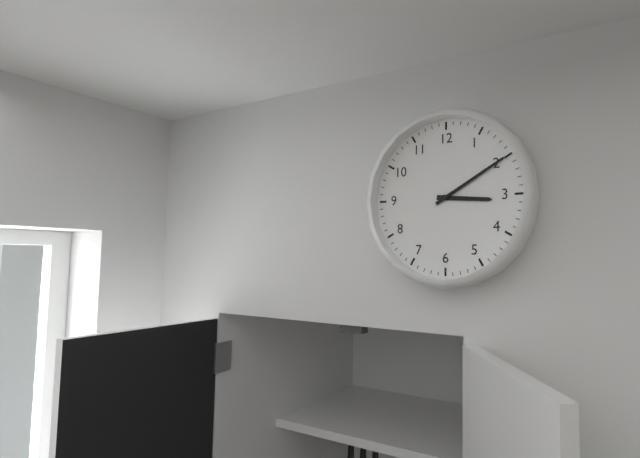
3:10
